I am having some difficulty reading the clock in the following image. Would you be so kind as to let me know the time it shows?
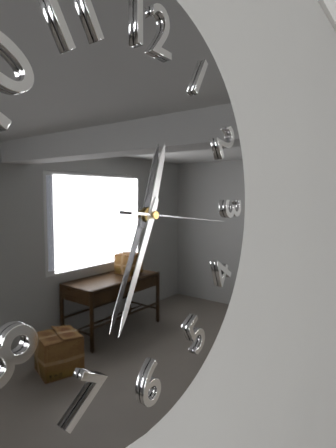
12:34:16
